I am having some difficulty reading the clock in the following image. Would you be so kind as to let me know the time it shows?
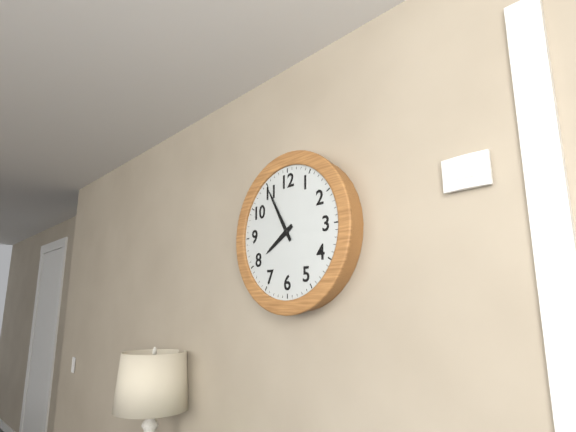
7:55
